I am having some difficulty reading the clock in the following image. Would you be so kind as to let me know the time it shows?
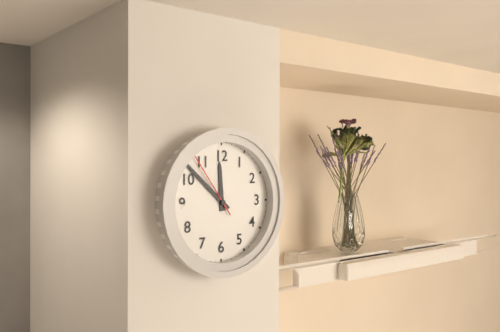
11:52:54
